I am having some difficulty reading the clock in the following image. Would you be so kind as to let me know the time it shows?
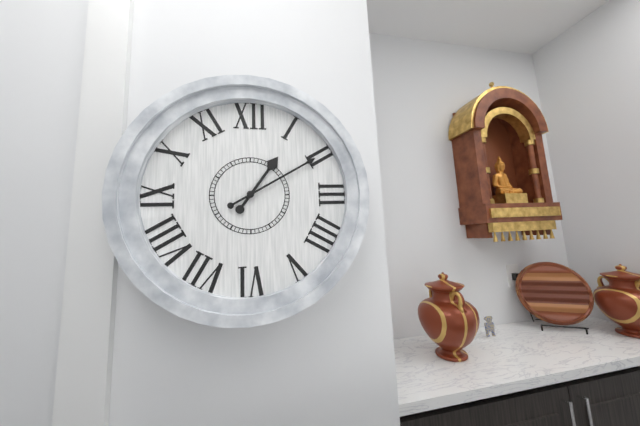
1:10
